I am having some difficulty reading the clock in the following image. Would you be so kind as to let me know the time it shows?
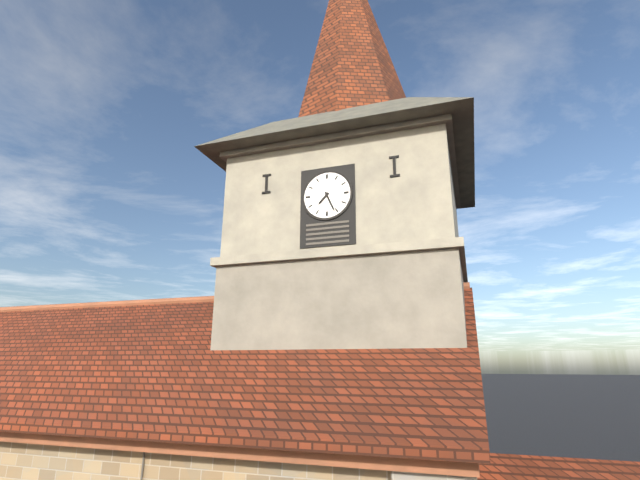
7:26
